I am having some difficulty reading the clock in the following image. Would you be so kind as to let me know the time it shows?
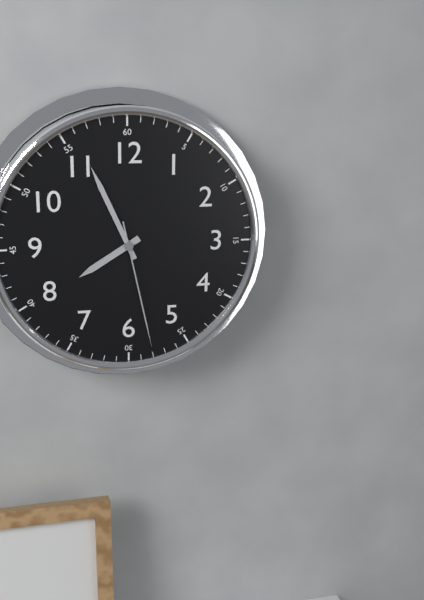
7:56:28
